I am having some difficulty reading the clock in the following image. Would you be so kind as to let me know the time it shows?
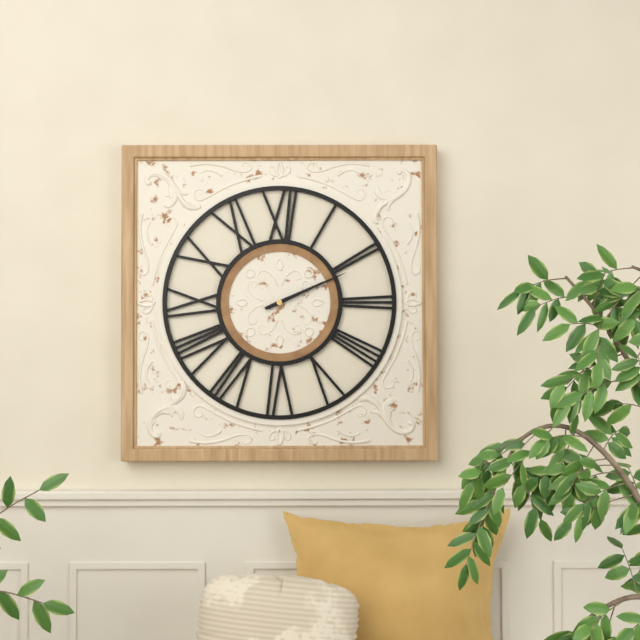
2:11
